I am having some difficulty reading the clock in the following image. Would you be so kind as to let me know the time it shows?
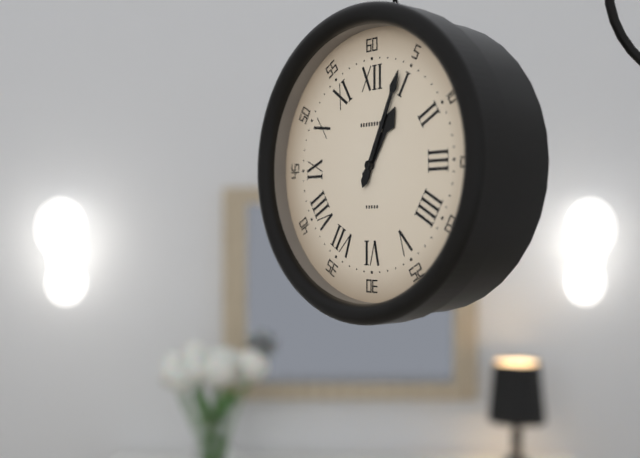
1:04
